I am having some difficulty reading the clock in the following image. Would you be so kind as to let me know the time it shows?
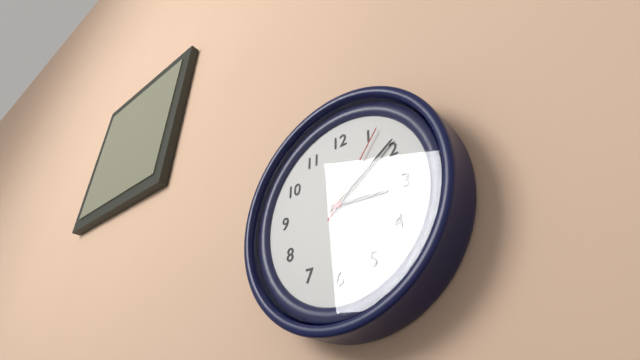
3:09:06
